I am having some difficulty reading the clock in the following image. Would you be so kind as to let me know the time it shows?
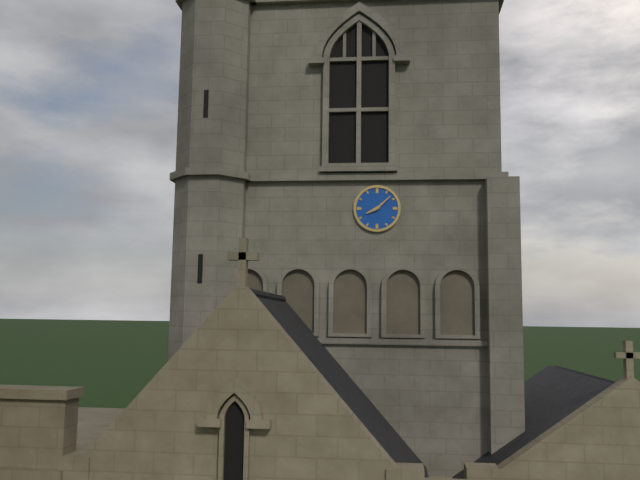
8:08
